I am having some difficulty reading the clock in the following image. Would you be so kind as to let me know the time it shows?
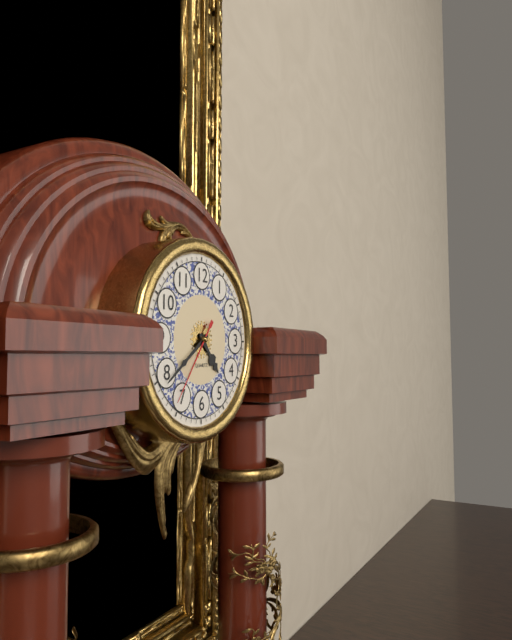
4:39:36
